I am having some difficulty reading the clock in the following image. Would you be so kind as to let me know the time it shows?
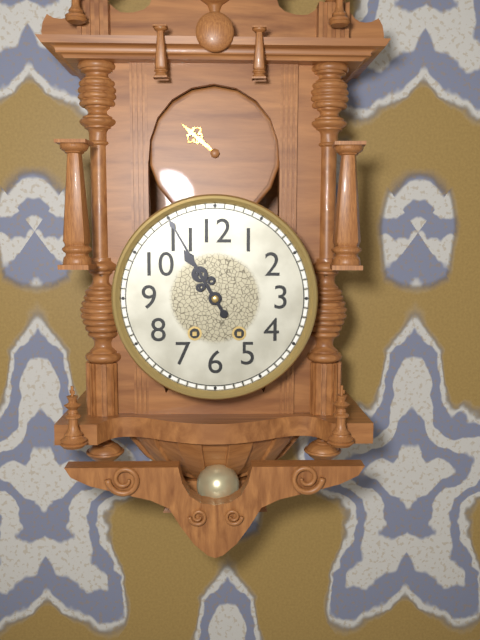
10:55
